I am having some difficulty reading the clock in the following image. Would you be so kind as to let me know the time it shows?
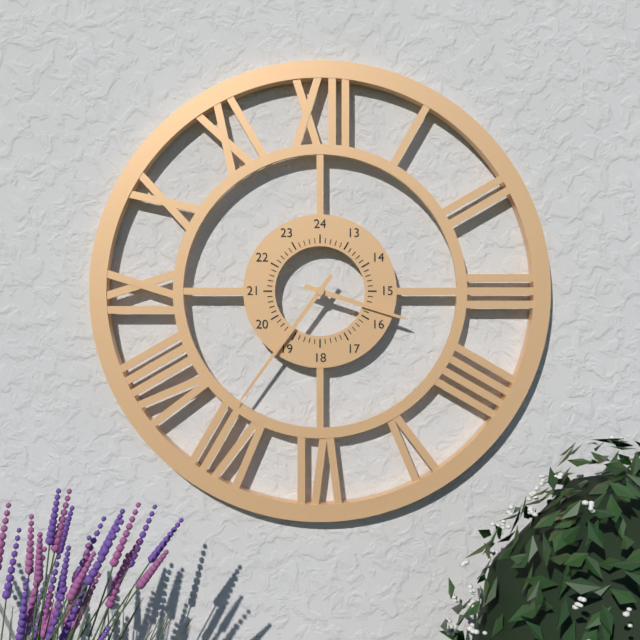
3:36
